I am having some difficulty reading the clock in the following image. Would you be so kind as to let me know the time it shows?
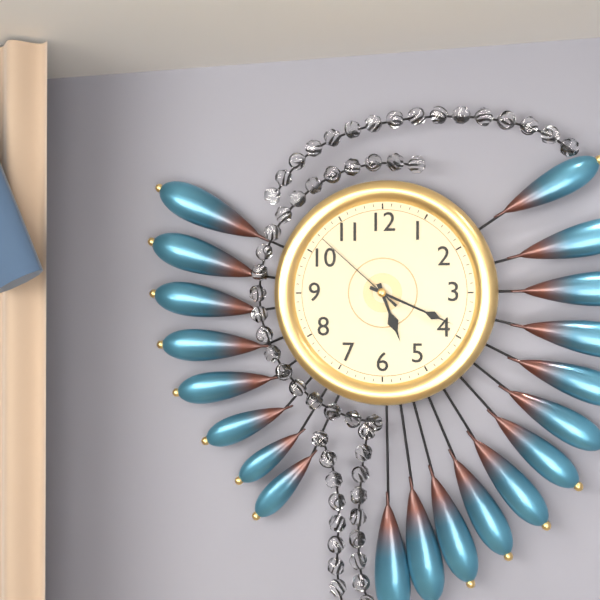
5:19:52
